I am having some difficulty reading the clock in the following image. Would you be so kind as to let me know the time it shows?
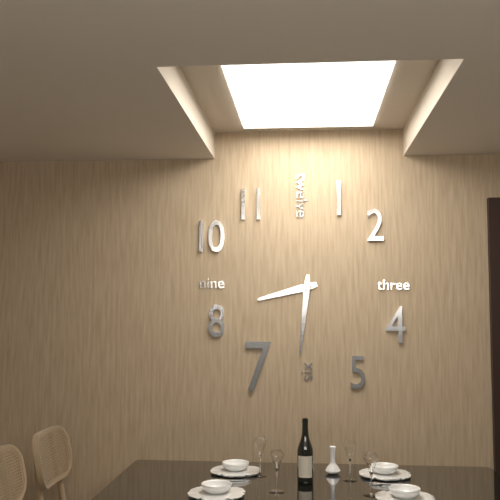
8:31
